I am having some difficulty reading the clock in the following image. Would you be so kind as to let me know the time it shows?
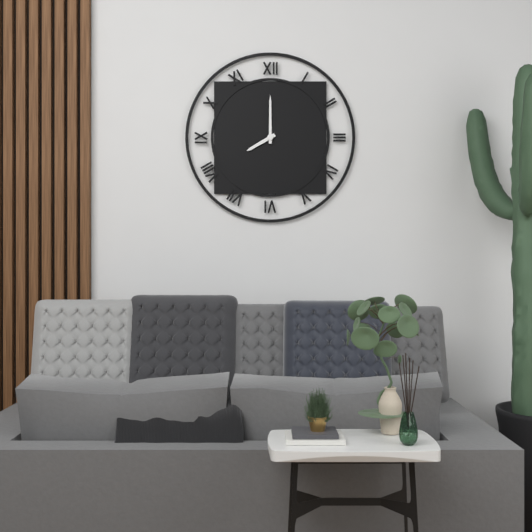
8:00
